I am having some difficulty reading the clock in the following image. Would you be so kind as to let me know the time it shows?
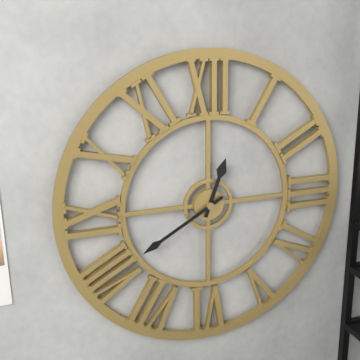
12:40
